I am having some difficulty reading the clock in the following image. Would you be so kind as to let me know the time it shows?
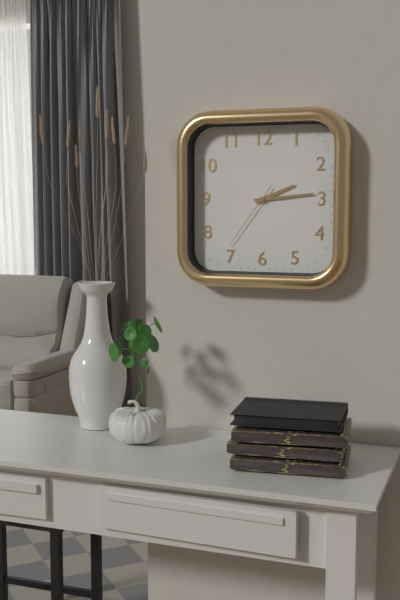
2:14:36
